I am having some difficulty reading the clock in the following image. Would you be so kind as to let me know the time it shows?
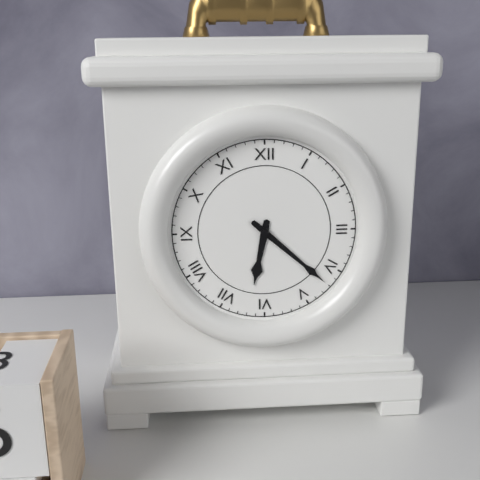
6:22
